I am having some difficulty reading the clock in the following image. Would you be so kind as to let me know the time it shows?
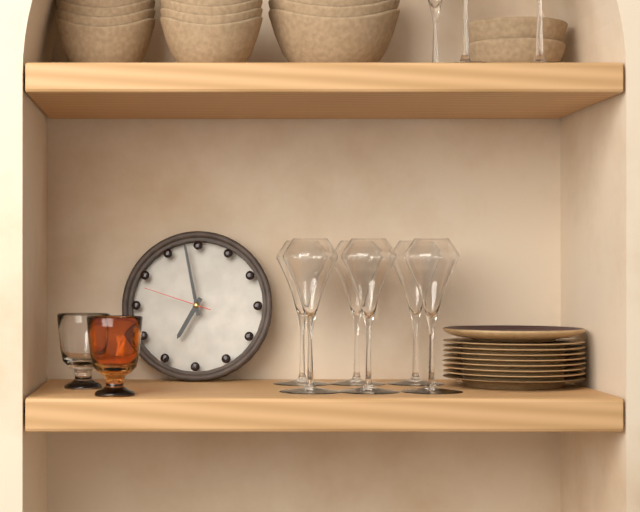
6:58:48
